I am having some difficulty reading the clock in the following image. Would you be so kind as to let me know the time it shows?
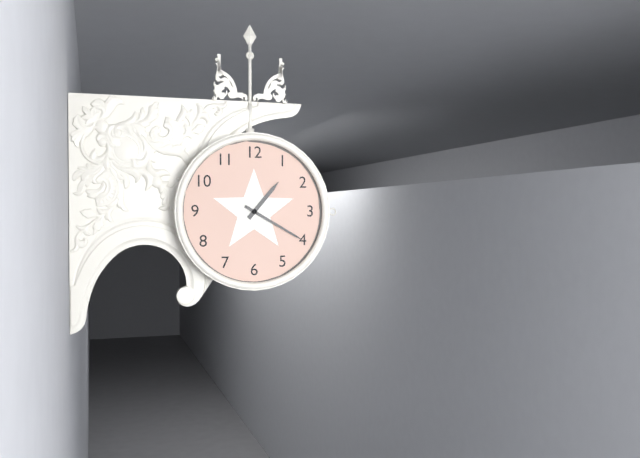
1:20
